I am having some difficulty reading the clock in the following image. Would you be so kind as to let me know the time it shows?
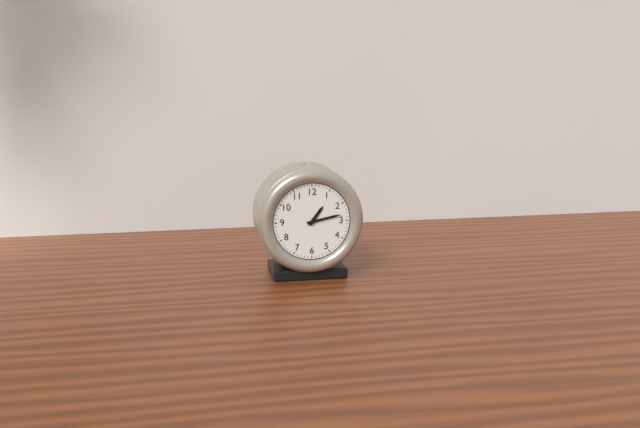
1:13
